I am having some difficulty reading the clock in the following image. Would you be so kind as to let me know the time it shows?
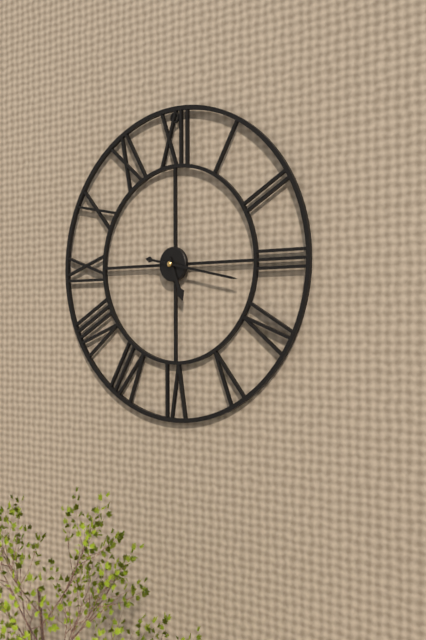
5:17
